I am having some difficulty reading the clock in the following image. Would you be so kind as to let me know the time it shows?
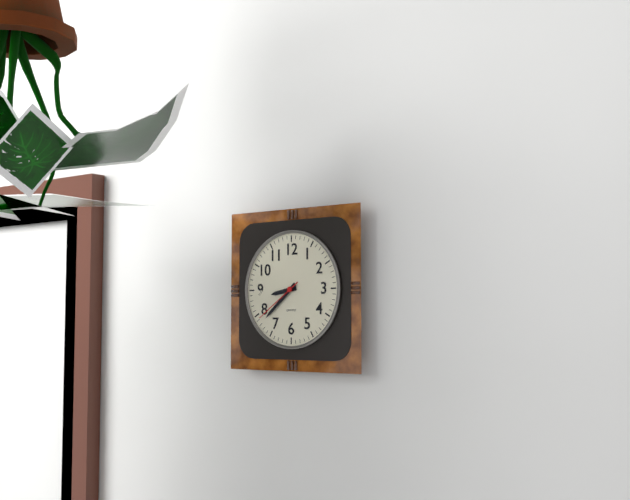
8:38:39
